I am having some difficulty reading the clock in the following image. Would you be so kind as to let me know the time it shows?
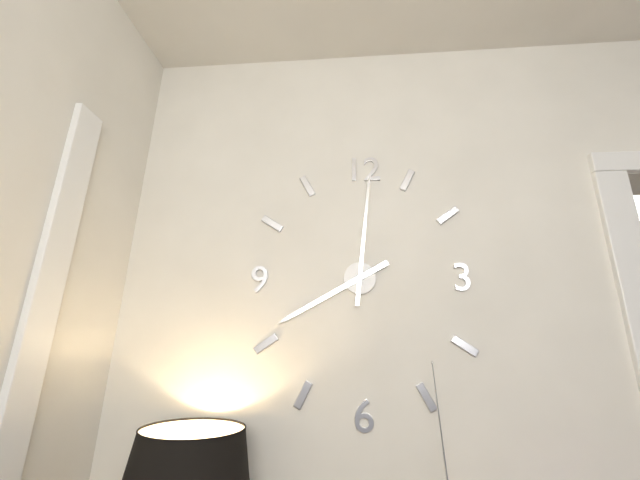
8:01
